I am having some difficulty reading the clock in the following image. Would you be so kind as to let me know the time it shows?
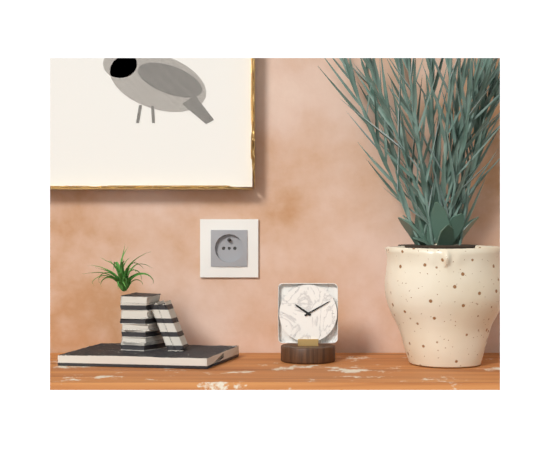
10:10
